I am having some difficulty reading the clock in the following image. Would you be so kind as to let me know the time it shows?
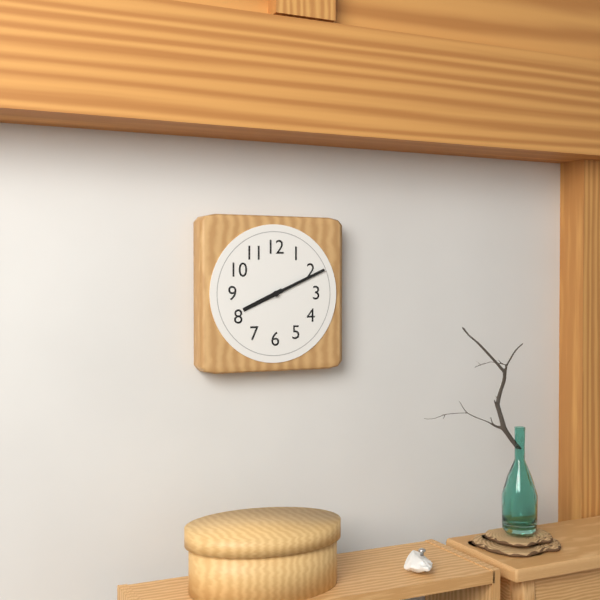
8:11
